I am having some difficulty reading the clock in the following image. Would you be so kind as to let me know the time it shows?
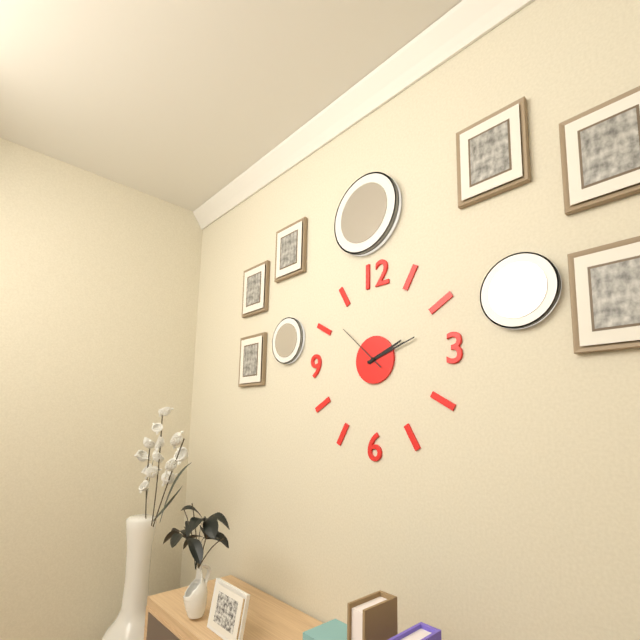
2:12:52
